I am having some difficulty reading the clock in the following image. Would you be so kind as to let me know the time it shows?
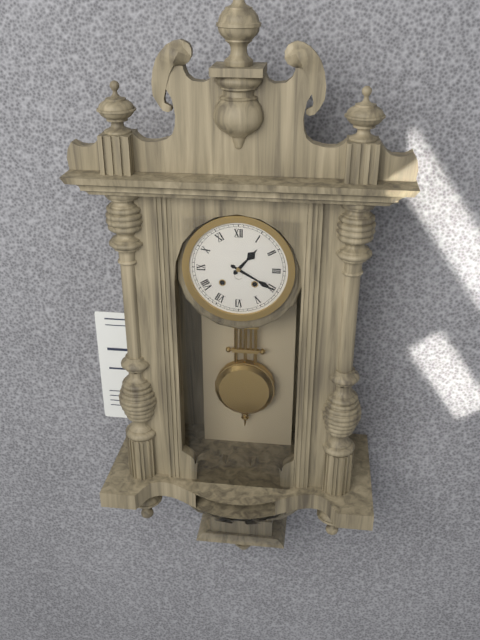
1:20
